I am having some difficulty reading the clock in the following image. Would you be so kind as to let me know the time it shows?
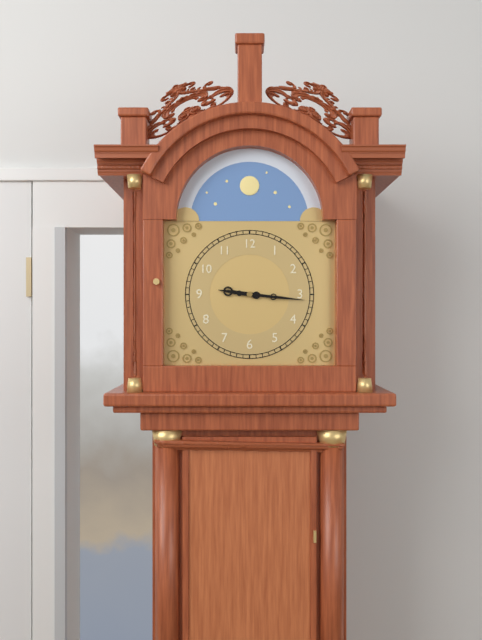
9:16
